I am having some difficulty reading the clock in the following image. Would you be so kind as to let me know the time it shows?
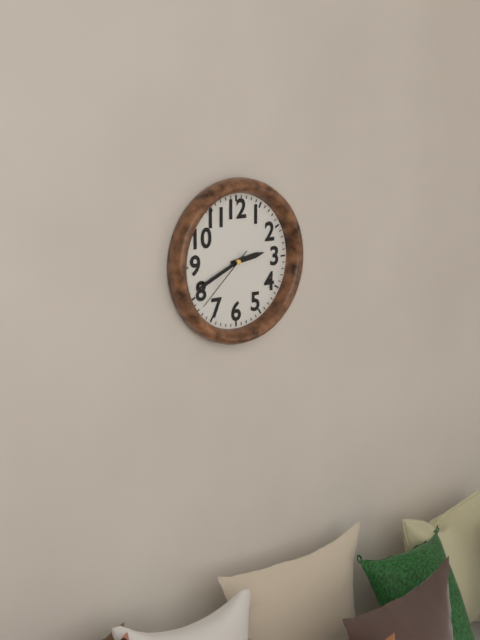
2:41:38
